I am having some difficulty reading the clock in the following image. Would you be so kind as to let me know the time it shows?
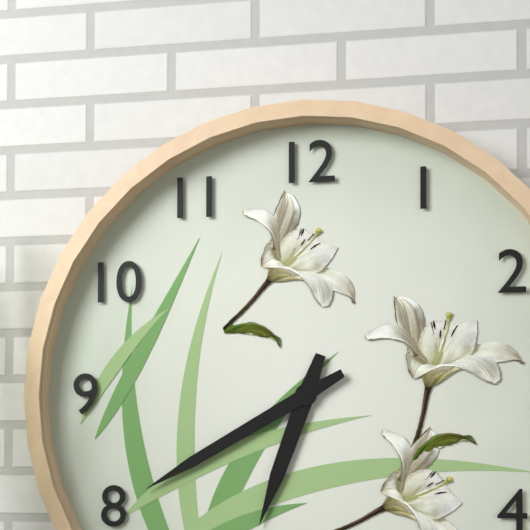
6:40
